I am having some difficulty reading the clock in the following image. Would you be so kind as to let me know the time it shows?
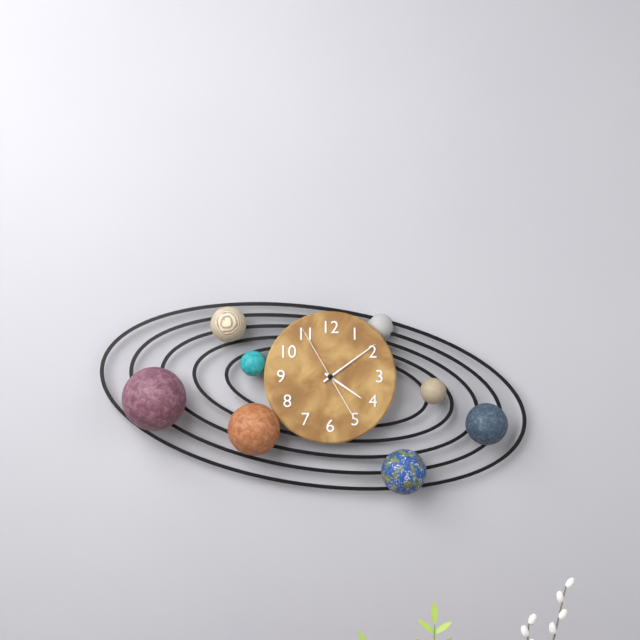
4:09:55
